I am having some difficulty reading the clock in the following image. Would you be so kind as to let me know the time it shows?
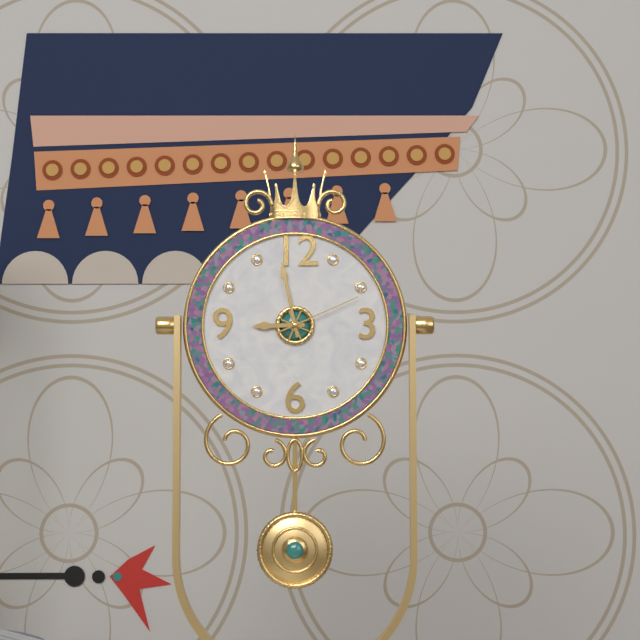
8:58:11
